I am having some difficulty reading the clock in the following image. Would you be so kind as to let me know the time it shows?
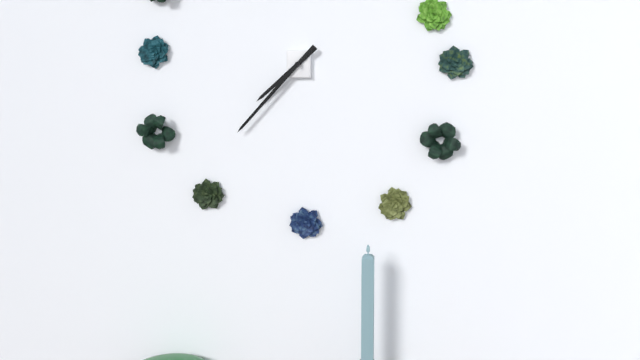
7:37
